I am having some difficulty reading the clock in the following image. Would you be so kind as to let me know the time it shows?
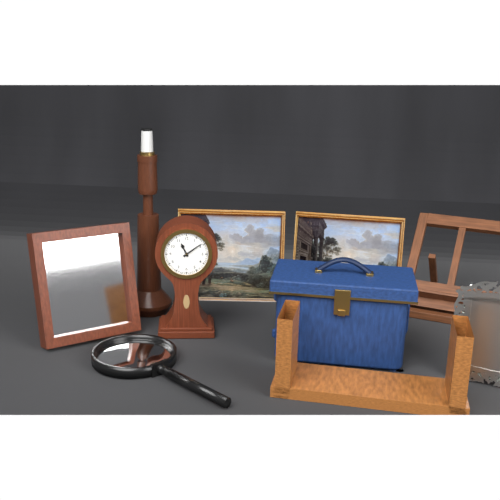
11:09
